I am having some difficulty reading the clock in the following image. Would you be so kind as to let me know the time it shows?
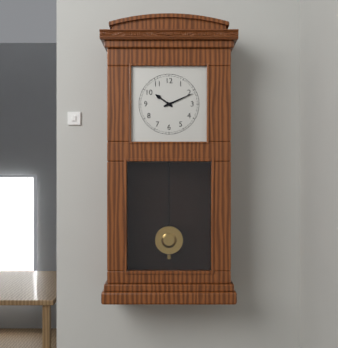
10:11
